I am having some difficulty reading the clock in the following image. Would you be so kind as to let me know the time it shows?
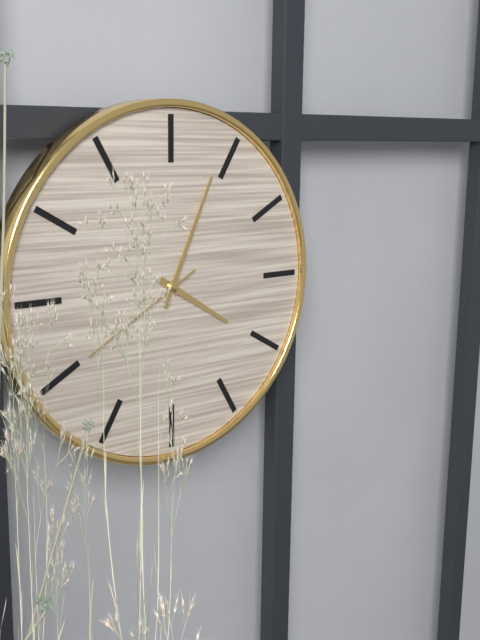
4:04:40
